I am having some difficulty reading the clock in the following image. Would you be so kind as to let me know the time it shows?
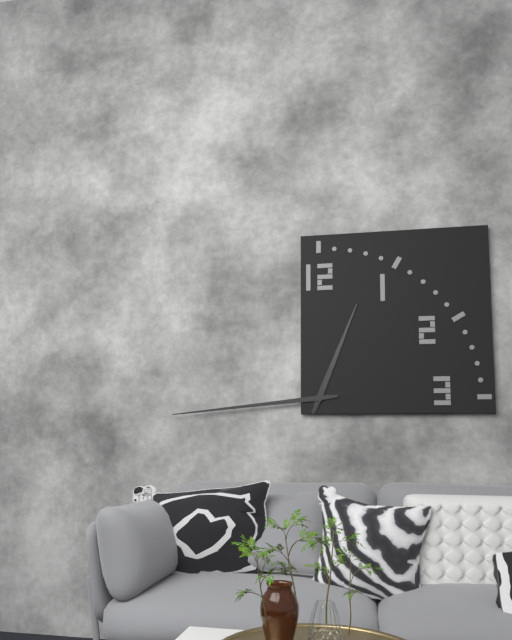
12:44
